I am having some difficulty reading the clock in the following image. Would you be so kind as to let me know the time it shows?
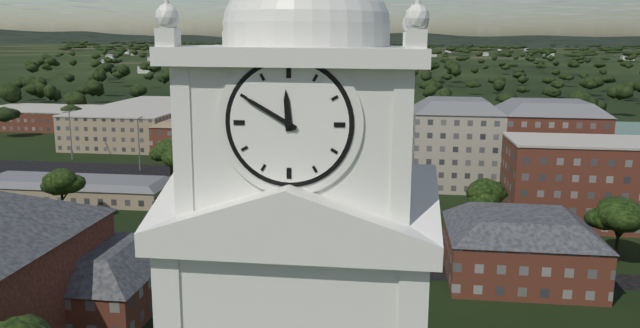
11:50
